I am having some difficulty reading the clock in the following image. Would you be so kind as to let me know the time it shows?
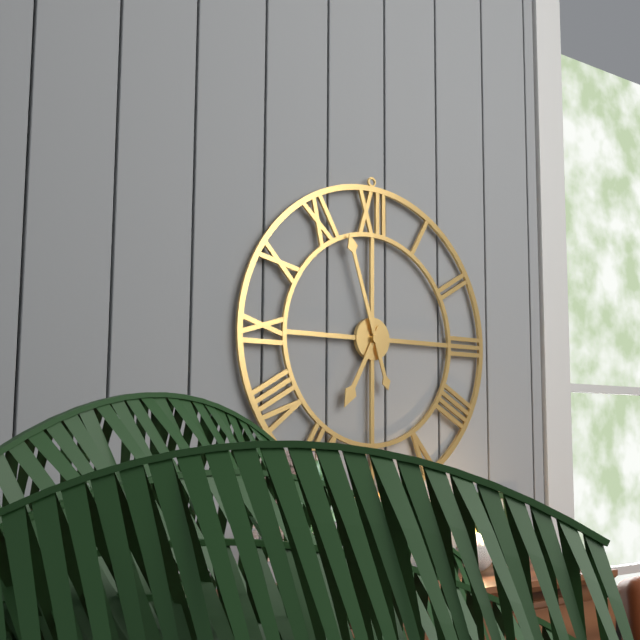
6:57
